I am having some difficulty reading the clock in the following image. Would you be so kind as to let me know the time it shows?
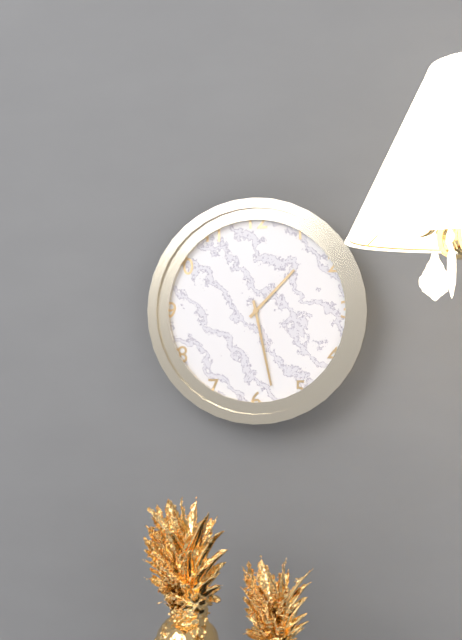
1:28
